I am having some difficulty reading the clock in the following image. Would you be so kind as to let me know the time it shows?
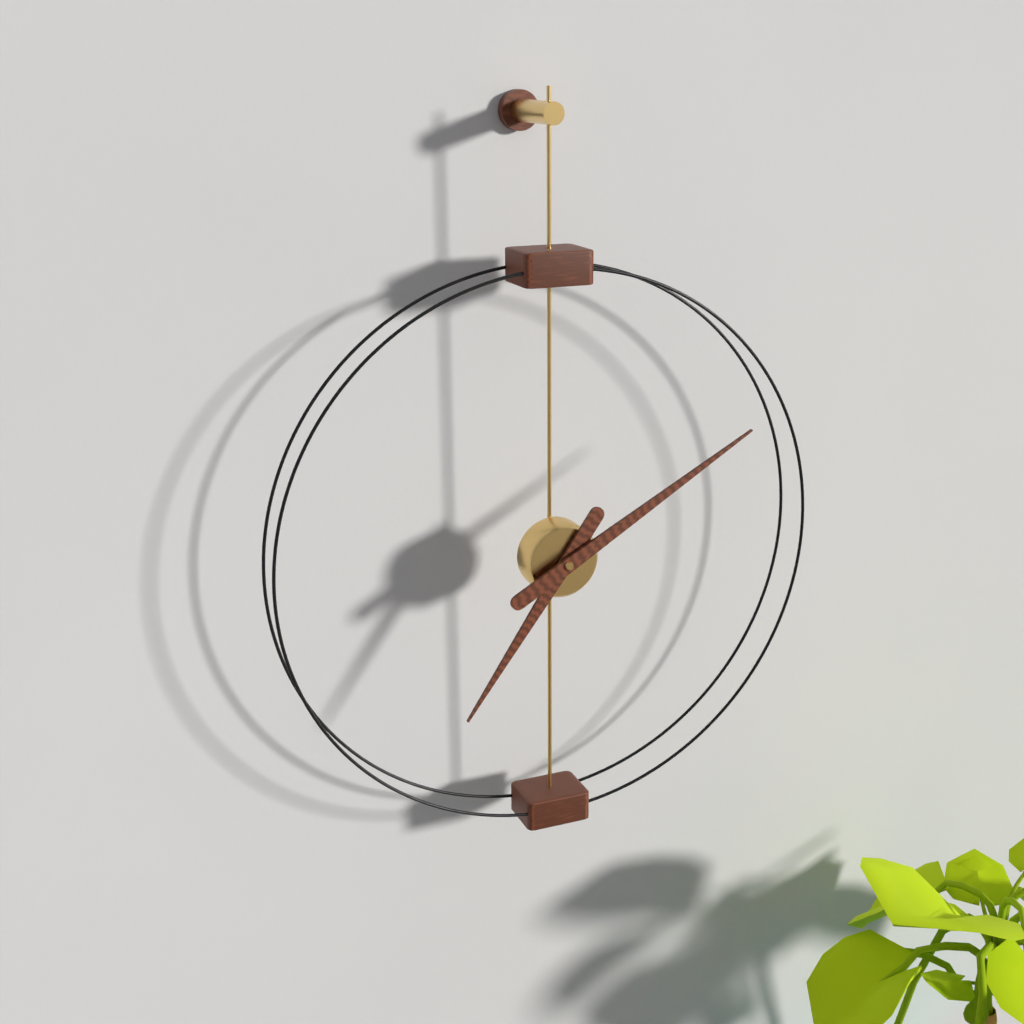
7:10
